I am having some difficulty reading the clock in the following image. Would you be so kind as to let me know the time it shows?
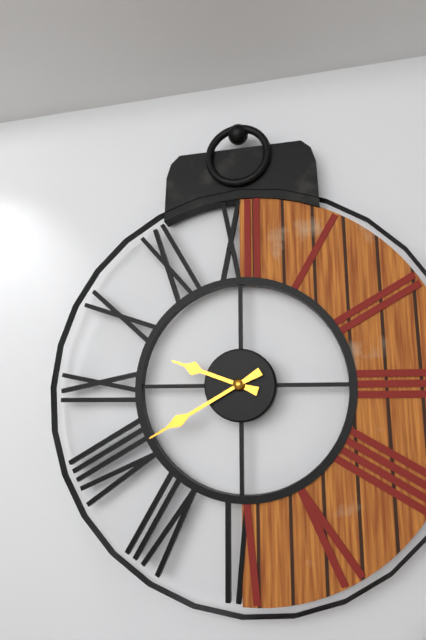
9:40
